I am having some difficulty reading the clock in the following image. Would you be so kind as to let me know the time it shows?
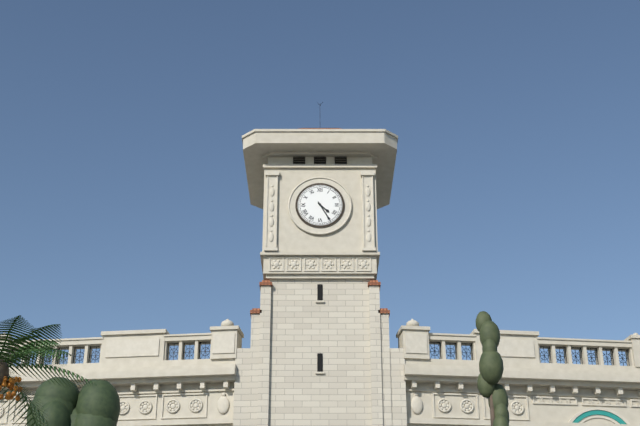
4:25
